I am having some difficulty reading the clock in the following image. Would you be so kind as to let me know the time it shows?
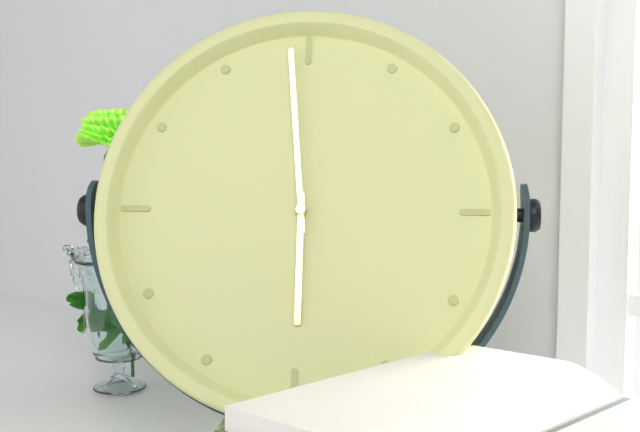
5:59
